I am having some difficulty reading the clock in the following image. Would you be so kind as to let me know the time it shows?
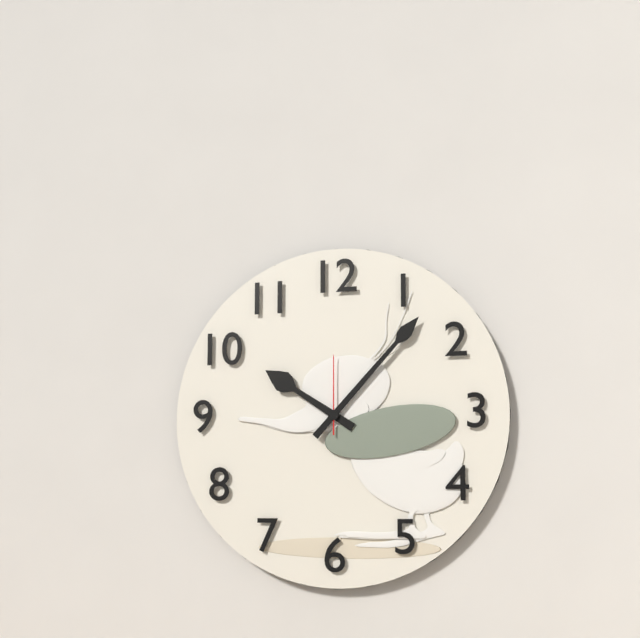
10:07:00
